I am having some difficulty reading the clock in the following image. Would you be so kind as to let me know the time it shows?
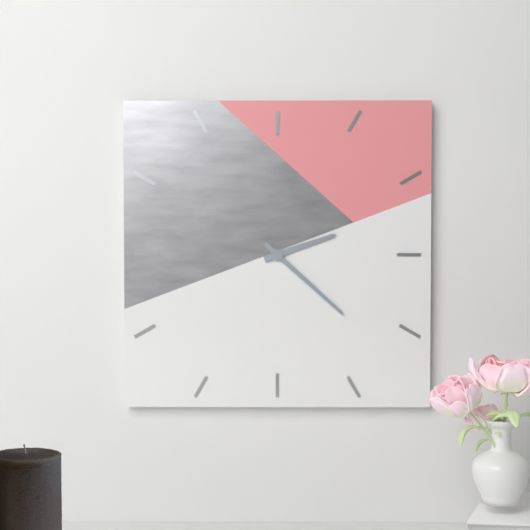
2:22
